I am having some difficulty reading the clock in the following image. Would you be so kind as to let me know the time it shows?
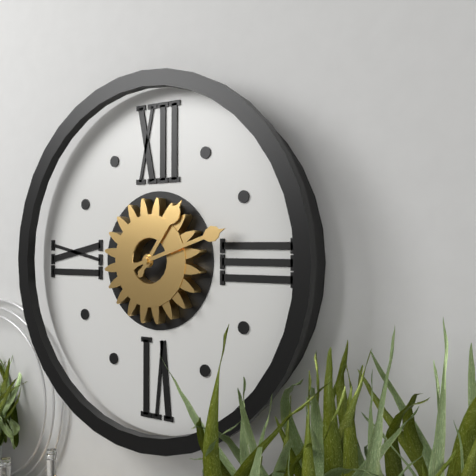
1:12
